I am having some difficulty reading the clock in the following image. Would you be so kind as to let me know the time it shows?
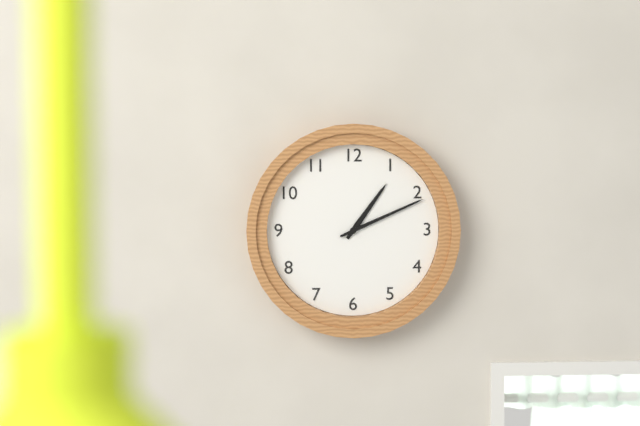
1:11
